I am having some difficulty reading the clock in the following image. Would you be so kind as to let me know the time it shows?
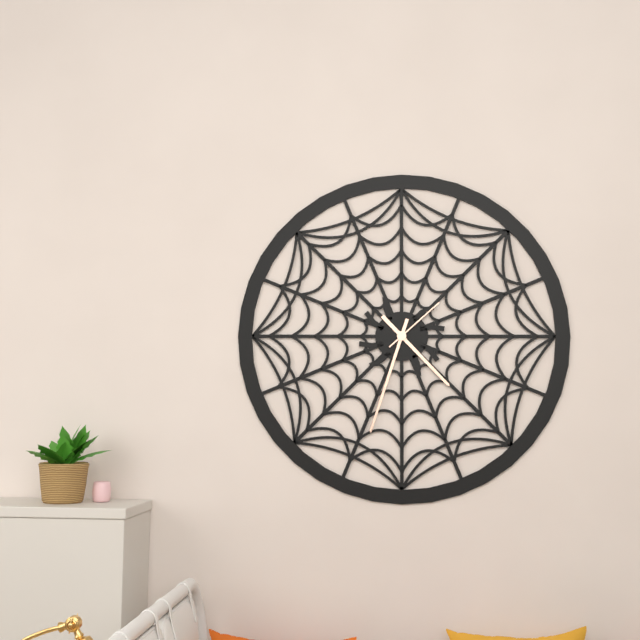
4:33:08
